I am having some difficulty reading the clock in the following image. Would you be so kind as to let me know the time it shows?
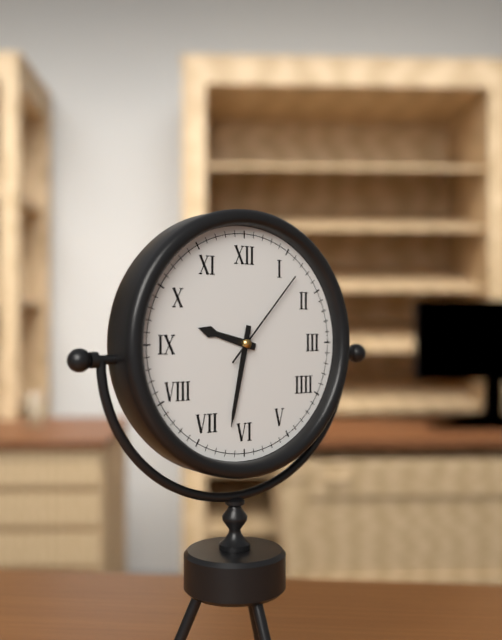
9:32:07
